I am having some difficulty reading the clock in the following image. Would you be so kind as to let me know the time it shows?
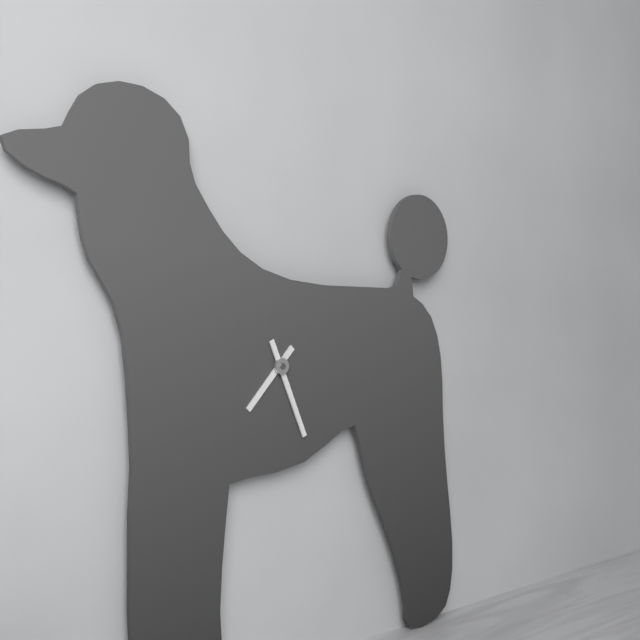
7:26
